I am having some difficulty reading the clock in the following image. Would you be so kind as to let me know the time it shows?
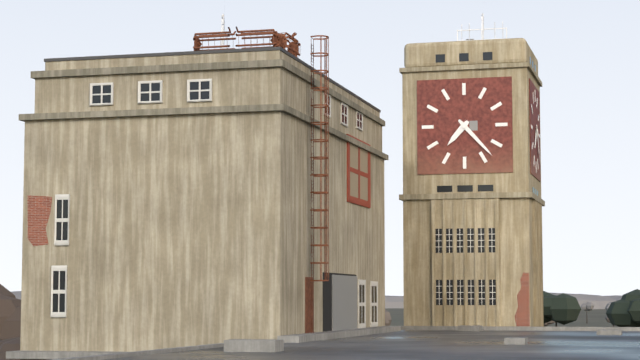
7:23
